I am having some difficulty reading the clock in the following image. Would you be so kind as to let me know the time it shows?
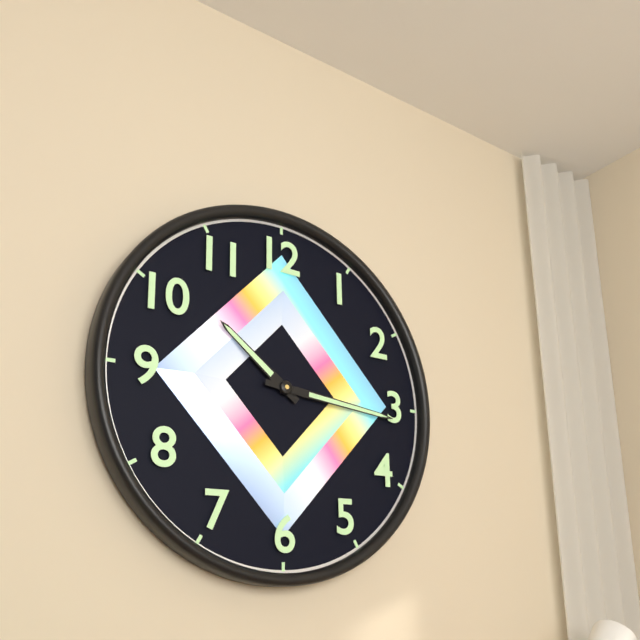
10:16
